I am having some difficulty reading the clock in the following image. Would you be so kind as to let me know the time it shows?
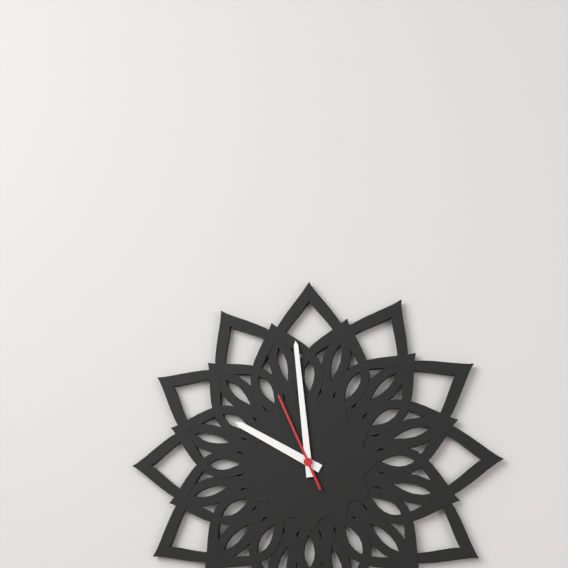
9:59:56
